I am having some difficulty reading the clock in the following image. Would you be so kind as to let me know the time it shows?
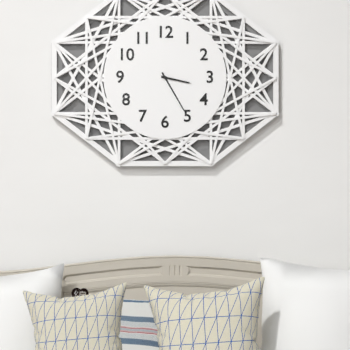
3:25
